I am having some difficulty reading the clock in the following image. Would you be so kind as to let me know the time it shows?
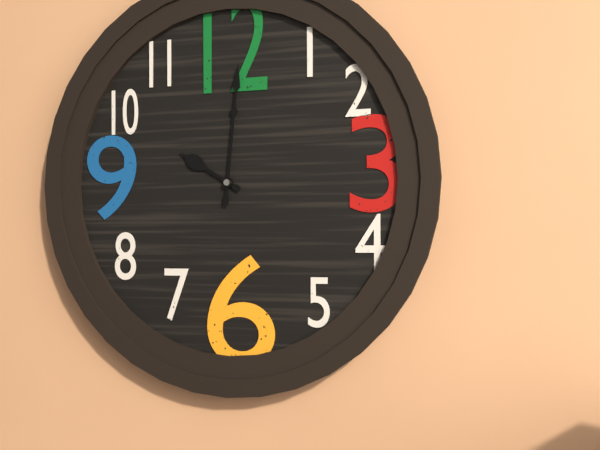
10:01
